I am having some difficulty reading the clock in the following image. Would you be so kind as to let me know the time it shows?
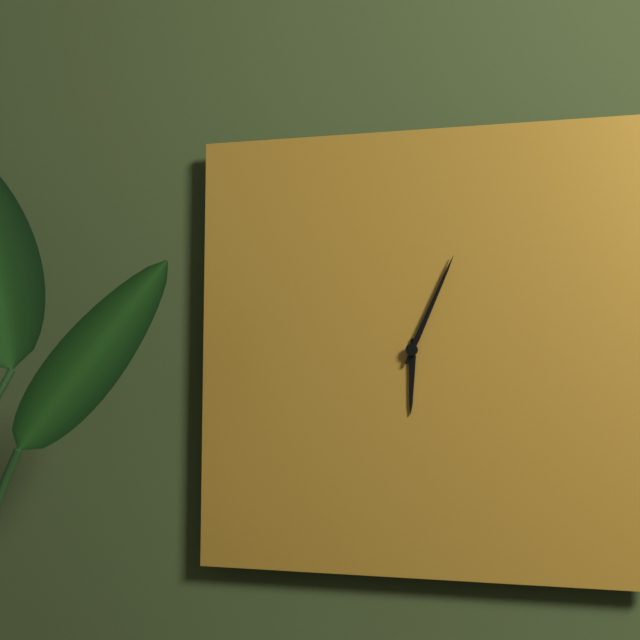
6:04
